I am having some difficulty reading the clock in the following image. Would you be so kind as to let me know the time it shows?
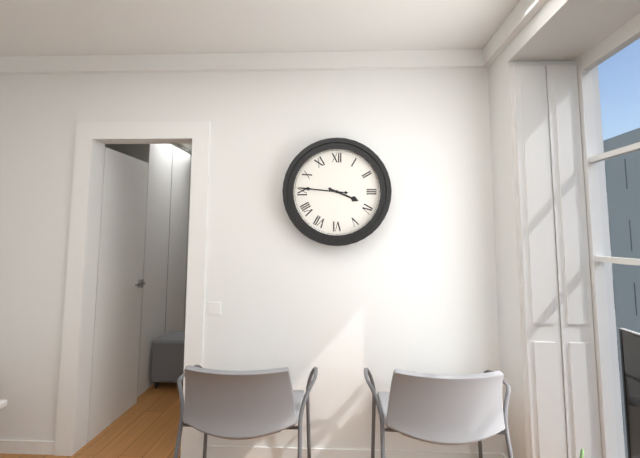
3:46
